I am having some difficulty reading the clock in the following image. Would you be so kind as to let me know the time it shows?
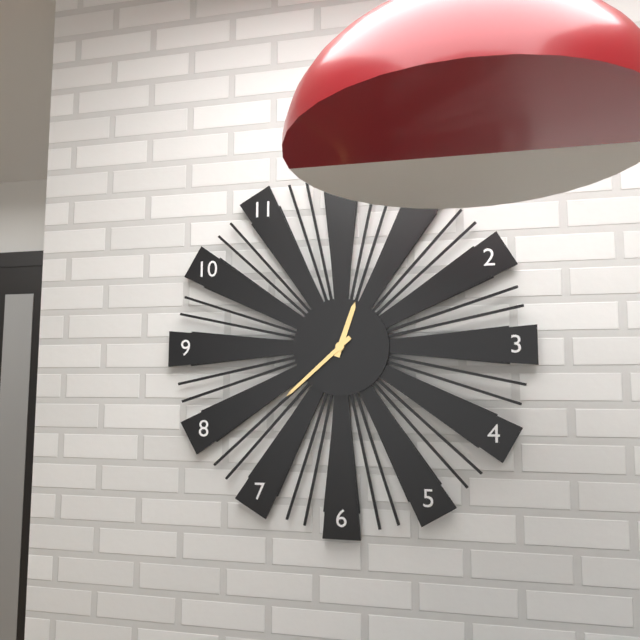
12:38
